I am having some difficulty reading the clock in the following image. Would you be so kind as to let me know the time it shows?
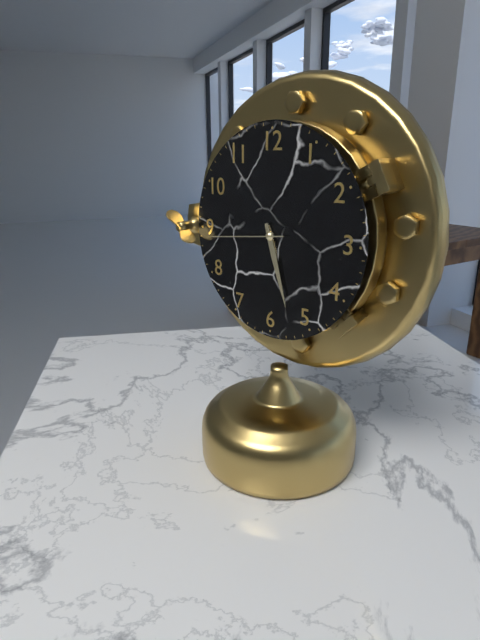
5:27:44
